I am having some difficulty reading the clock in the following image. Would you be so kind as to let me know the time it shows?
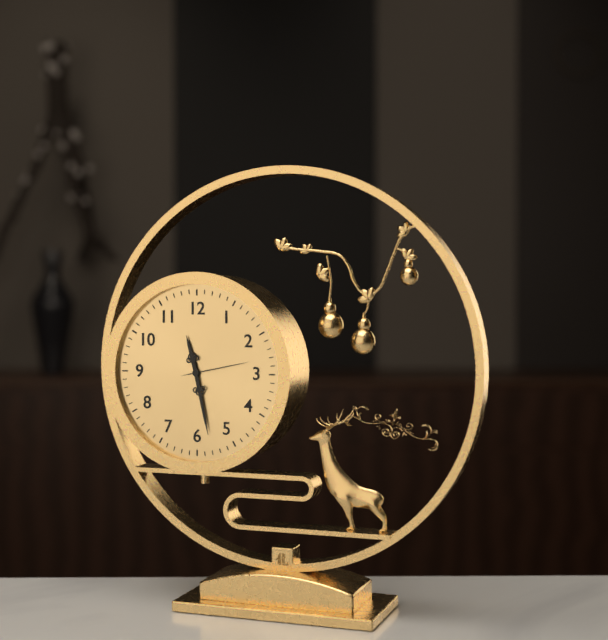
11:28:13
